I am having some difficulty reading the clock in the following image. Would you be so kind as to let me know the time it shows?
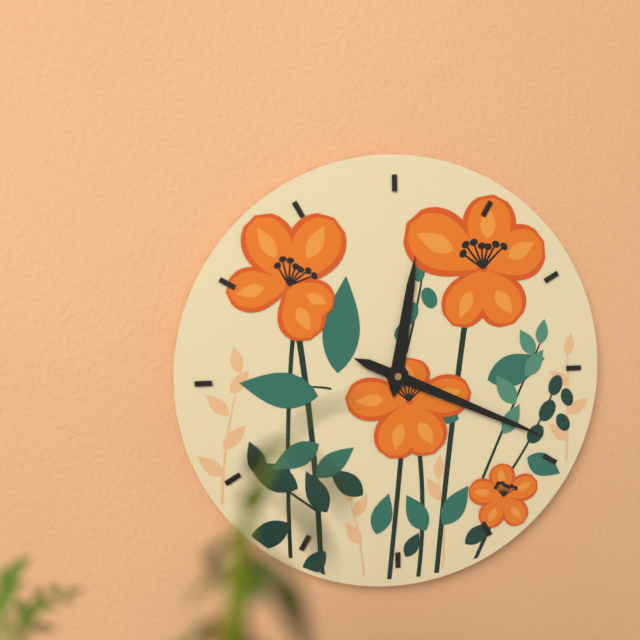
12:19
